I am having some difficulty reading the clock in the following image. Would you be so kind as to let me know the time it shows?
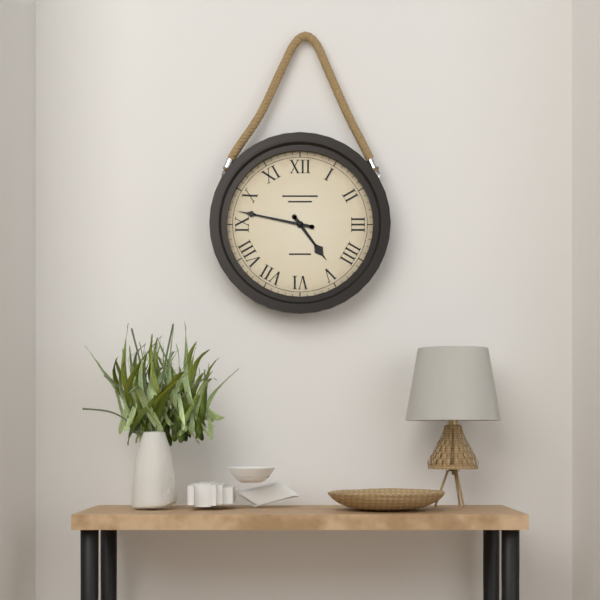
4:47
